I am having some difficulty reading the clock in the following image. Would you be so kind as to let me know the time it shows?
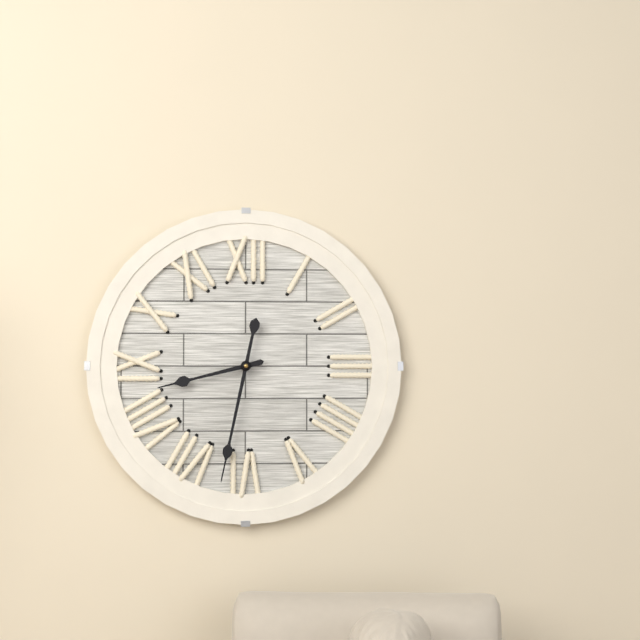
8:32
